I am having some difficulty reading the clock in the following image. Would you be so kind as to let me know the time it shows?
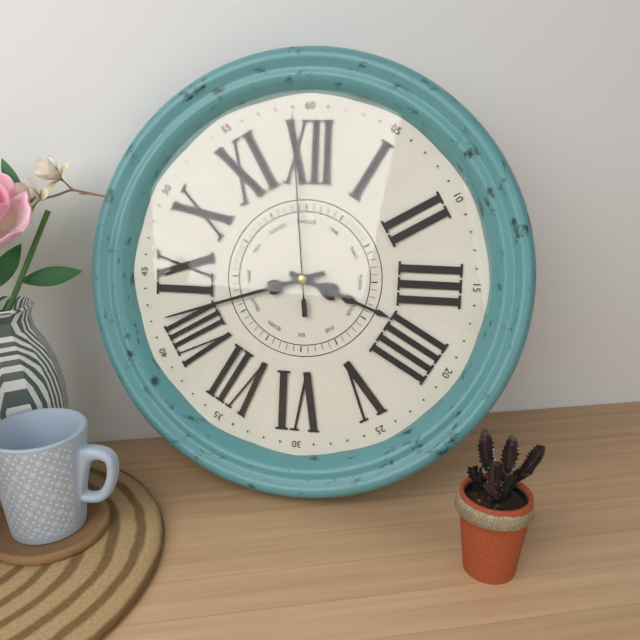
3:42:59
